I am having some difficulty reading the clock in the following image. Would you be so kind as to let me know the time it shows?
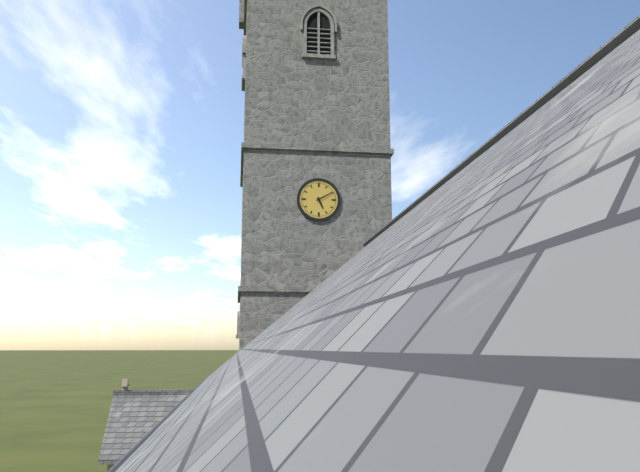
5:10
